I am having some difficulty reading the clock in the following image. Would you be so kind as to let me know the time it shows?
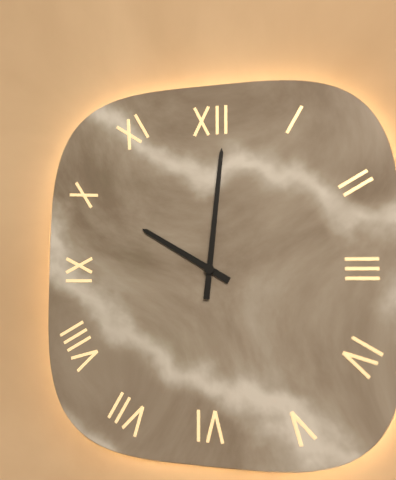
10:01
